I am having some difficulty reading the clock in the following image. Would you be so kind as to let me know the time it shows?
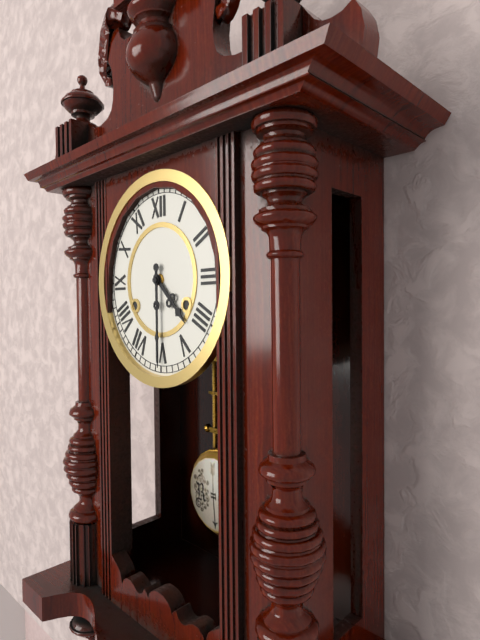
4:30
